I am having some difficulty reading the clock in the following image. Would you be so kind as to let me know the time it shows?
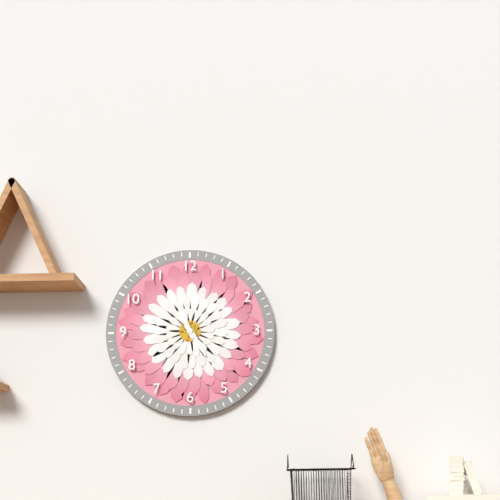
4:56
